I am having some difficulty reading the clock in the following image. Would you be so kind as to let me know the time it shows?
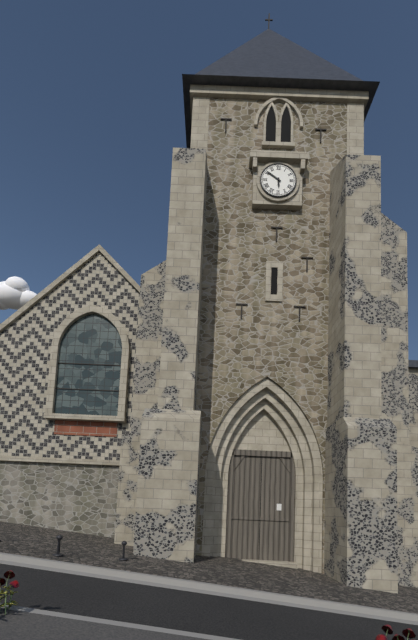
5:51
